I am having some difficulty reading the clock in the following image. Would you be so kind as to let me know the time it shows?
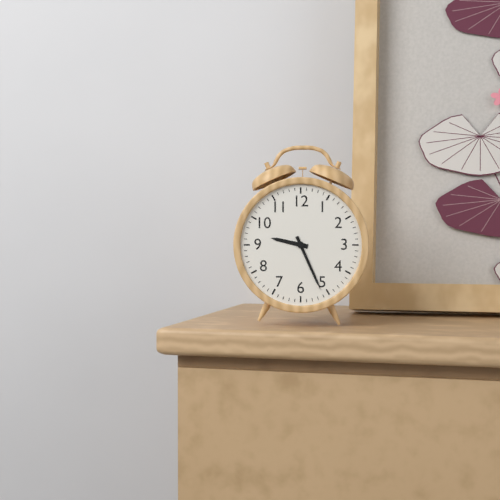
9:26
